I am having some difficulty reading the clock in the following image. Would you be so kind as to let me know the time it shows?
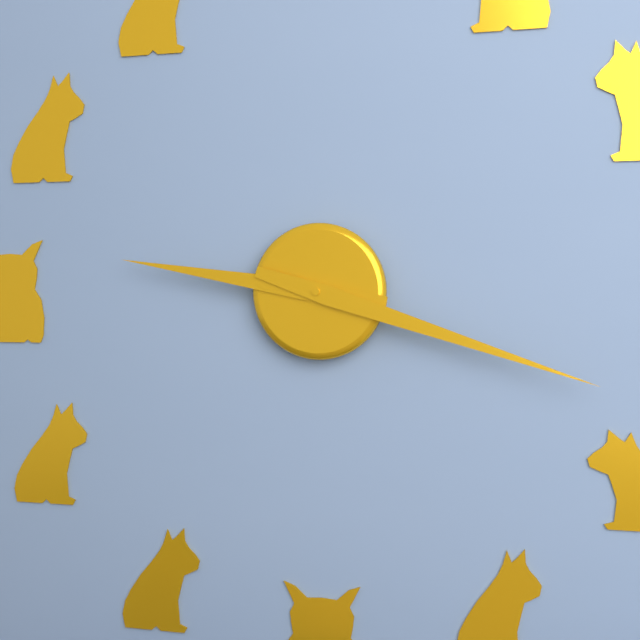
9:18
